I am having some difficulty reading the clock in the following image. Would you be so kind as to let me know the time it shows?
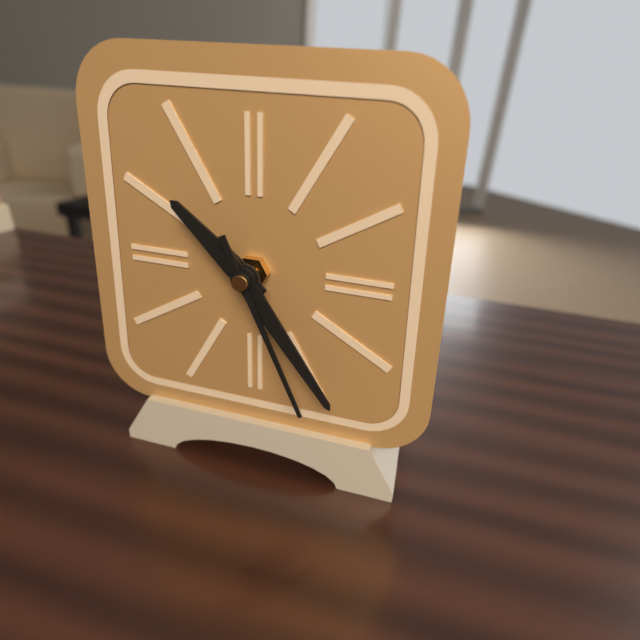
10:24:26
